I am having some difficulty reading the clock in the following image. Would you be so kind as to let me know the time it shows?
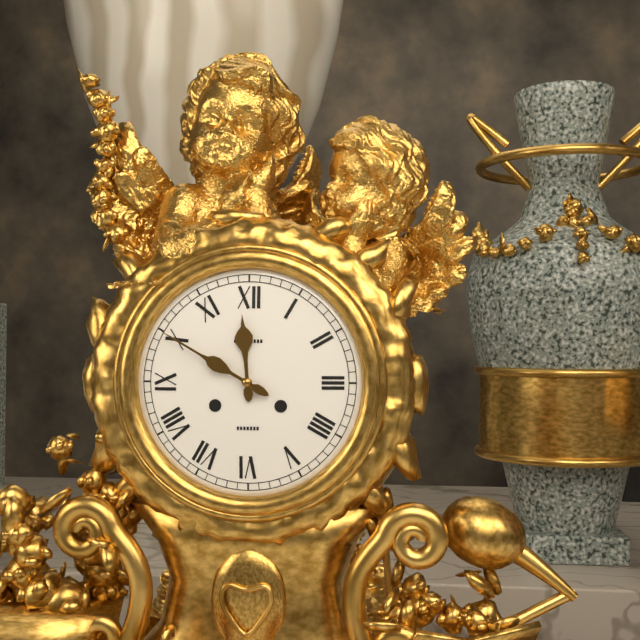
11:50
